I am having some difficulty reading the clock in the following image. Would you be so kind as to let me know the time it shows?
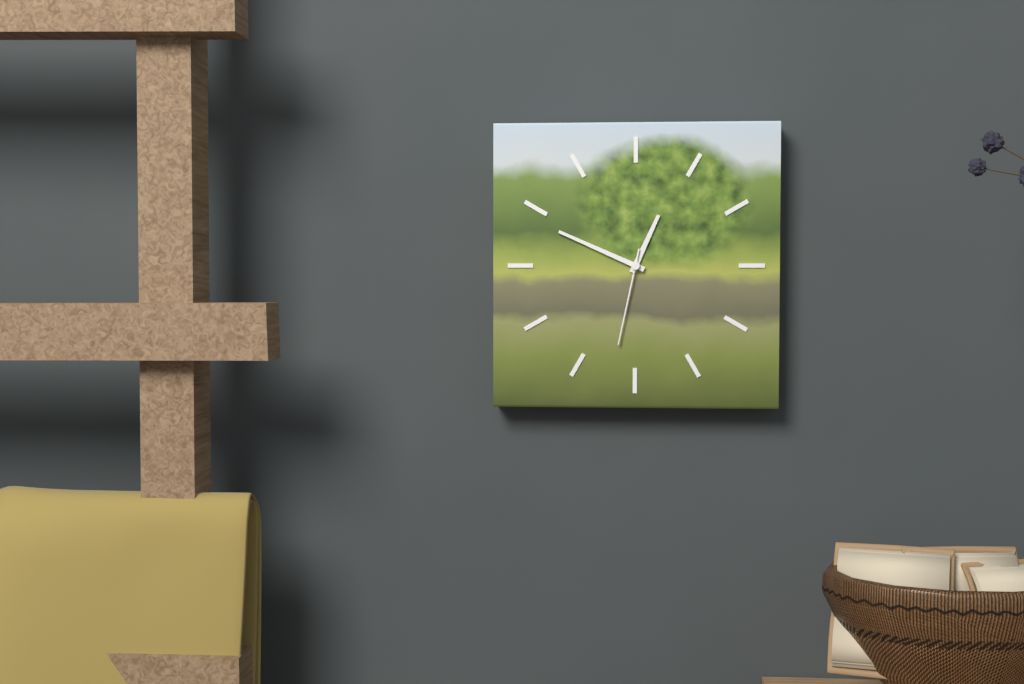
12:49:32
